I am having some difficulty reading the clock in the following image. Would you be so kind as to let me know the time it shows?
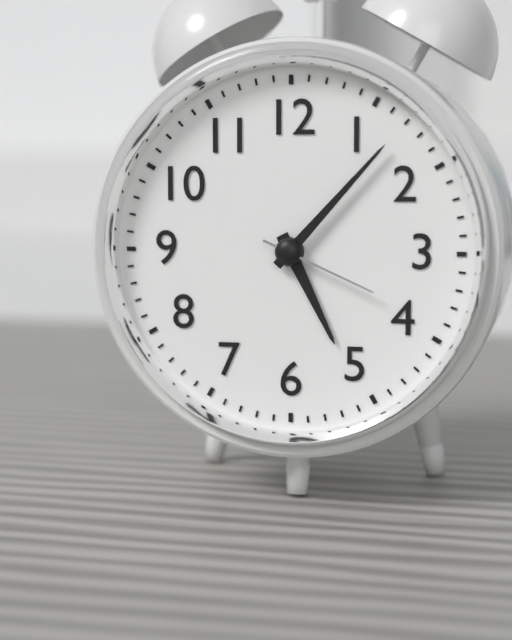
5:07:19
